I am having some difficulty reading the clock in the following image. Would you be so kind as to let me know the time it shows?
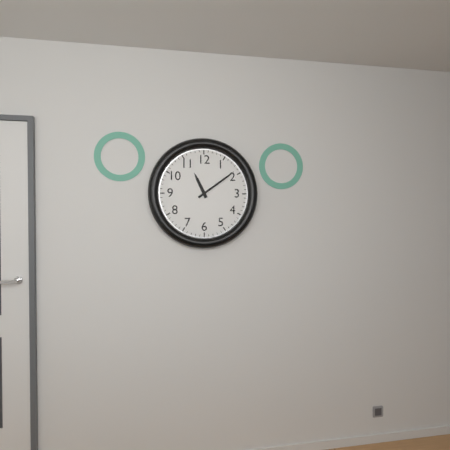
11:09
